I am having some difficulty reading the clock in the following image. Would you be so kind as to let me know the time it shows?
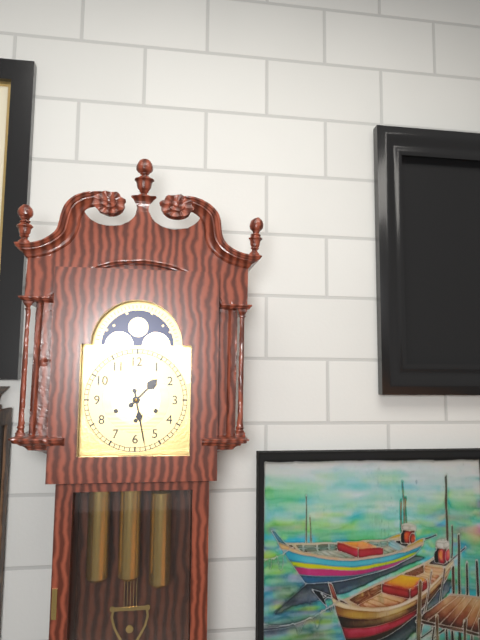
1:28
